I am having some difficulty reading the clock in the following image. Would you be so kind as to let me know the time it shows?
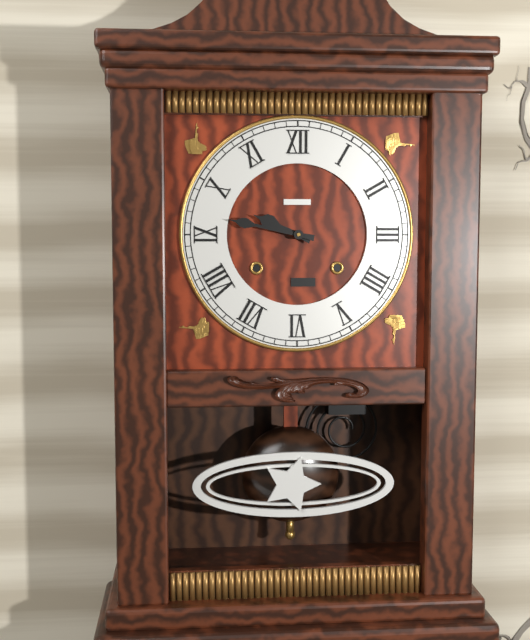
9:47
